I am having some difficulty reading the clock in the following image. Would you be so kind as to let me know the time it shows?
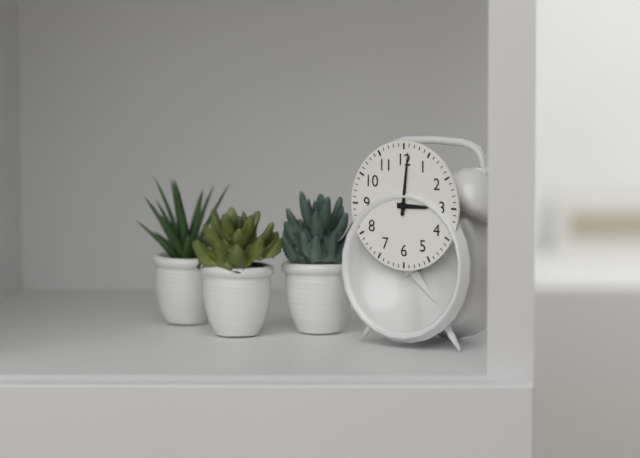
3:01
